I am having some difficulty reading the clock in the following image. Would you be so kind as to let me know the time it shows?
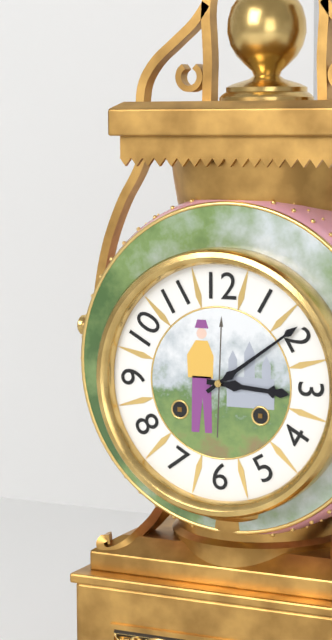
3:09
